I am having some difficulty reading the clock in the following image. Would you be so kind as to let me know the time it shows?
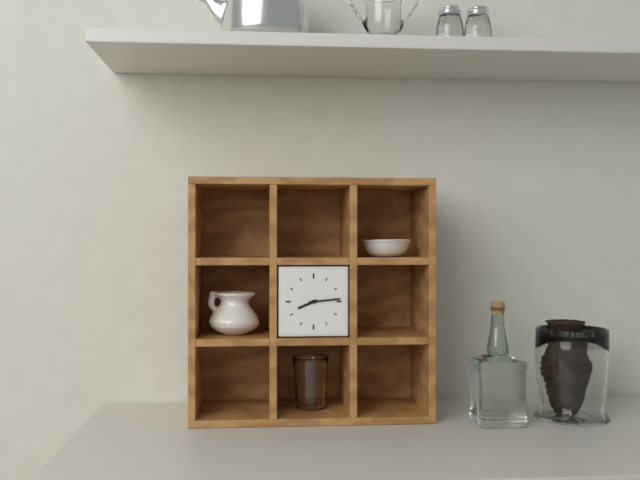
8:14
